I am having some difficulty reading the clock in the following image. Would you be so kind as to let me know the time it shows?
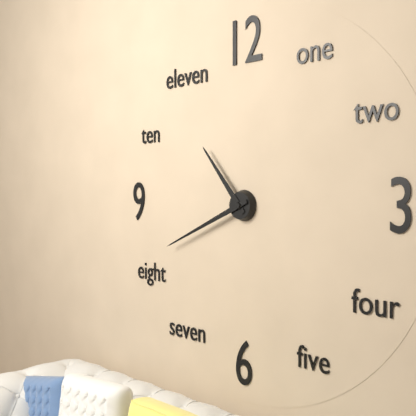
10:41
